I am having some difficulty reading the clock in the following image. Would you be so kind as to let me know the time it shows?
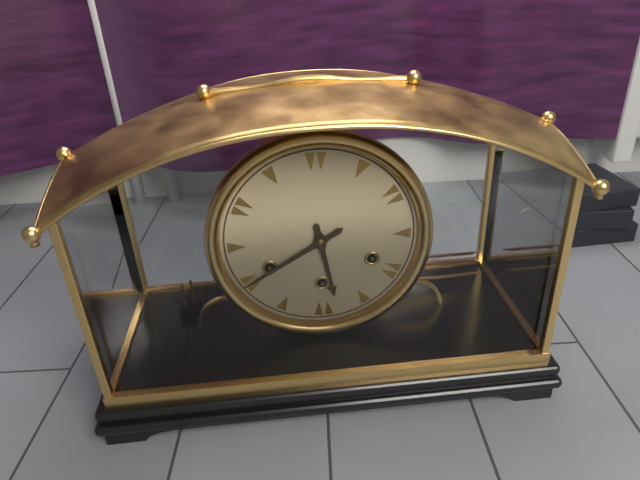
5:40
